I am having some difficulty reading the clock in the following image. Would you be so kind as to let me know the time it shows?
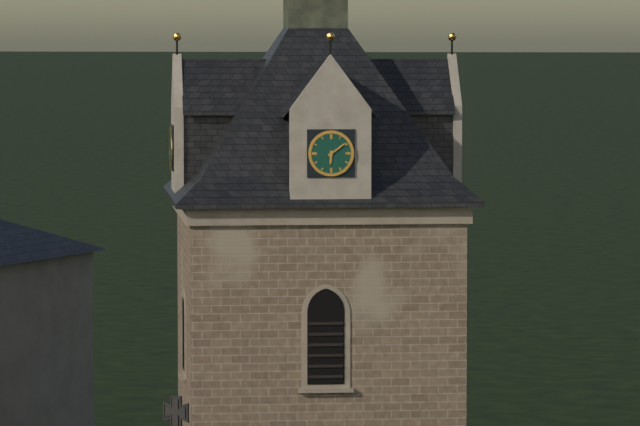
6:09
